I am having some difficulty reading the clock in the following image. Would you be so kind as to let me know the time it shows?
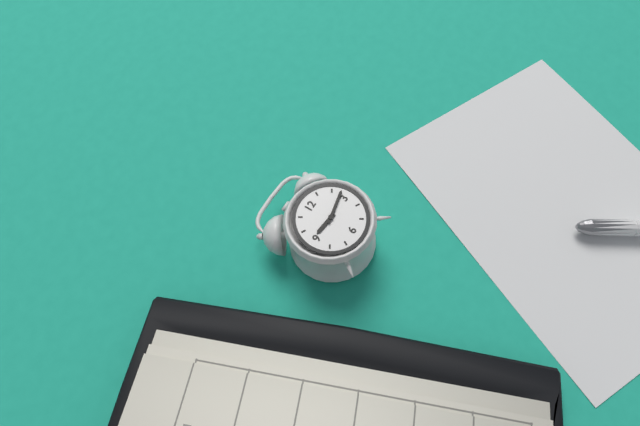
9:13
